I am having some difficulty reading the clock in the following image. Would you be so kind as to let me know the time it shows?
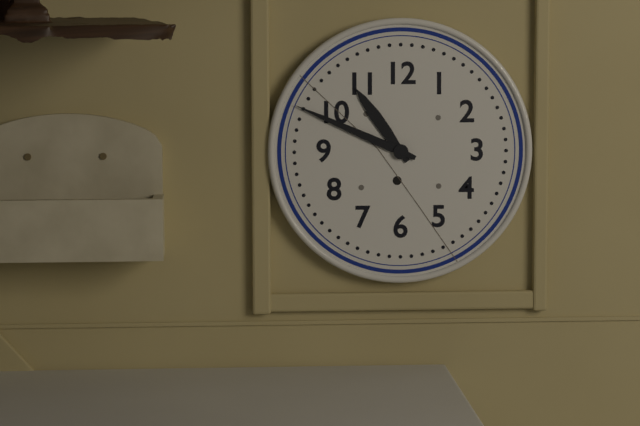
10:49
